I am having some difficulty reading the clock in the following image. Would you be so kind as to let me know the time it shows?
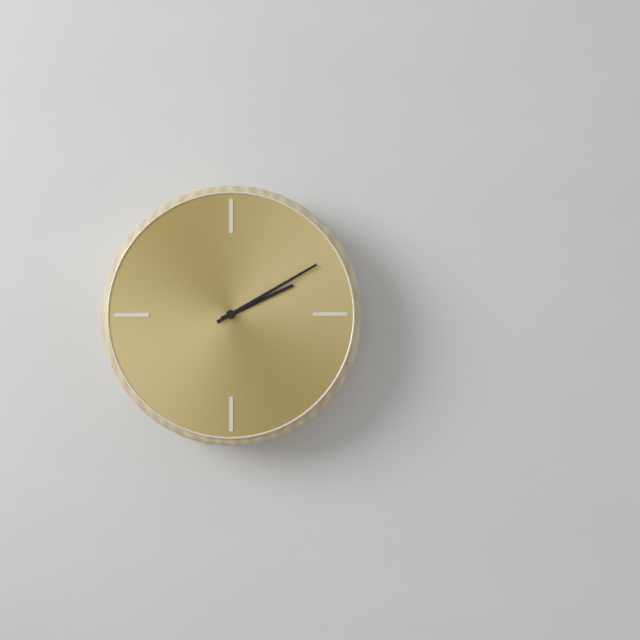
2:10
